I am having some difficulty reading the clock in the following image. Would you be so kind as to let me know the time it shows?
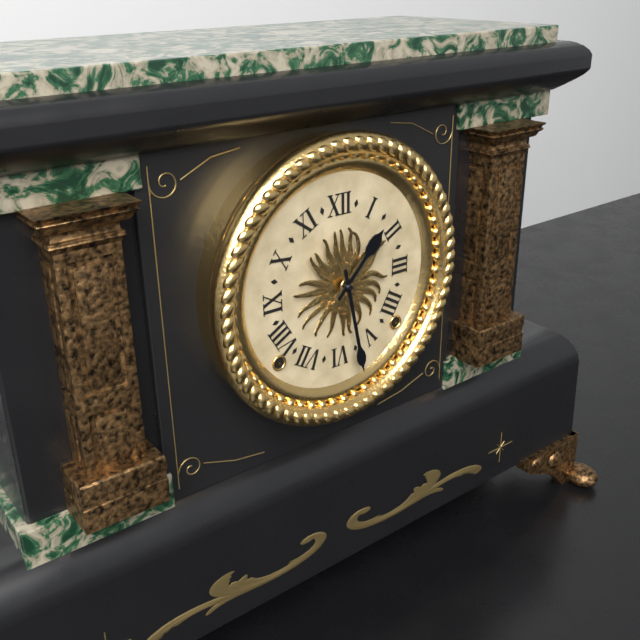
1:28
